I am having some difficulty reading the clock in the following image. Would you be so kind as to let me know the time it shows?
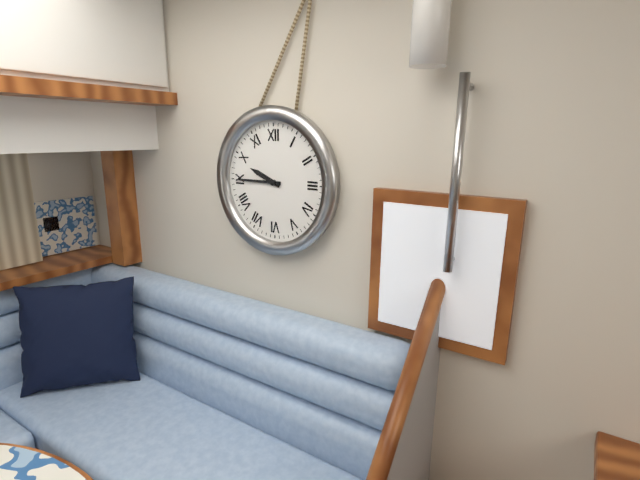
9:45
